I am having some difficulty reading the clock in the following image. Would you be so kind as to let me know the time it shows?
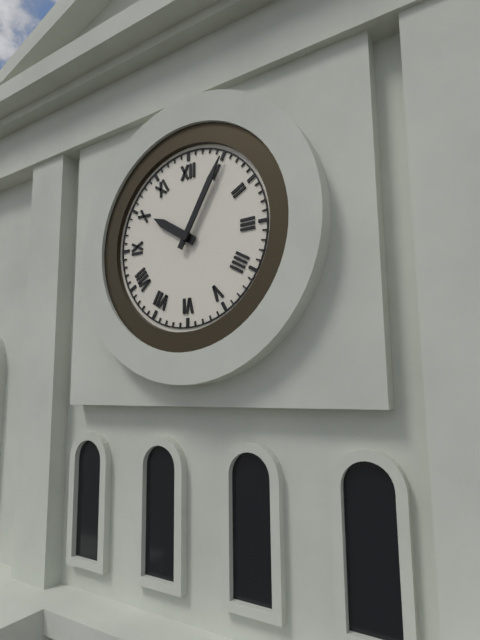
10:05
